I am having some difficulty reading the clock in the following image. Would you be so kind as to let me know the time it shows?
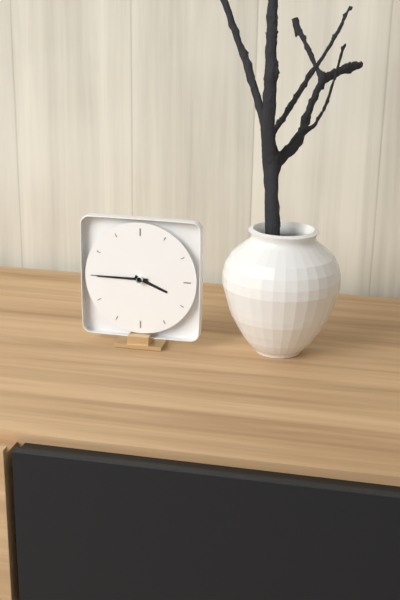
3:45
